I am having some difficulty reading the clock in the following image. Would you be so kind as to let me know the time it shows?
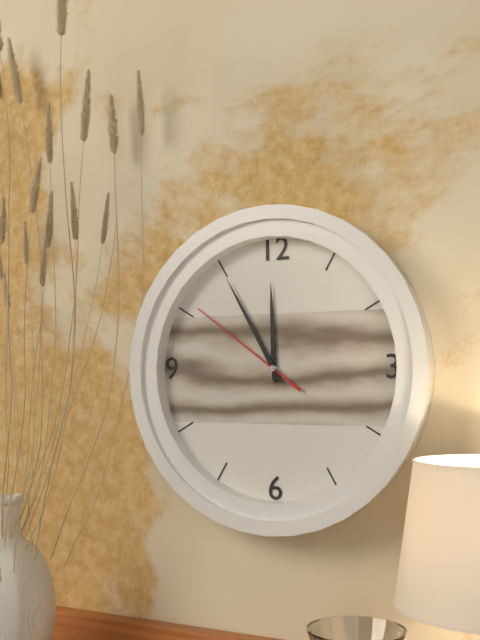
11:55:51
